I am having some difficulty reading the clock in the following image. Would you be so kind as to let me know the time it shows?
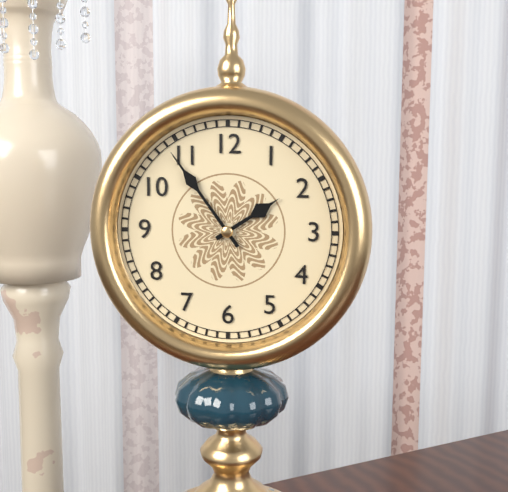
1:54
